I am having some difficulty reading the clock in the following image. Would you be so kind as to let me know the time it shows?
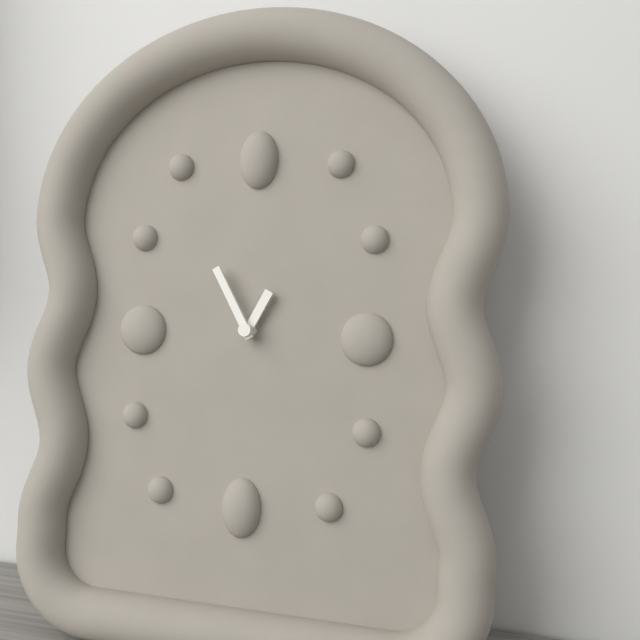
12:55
